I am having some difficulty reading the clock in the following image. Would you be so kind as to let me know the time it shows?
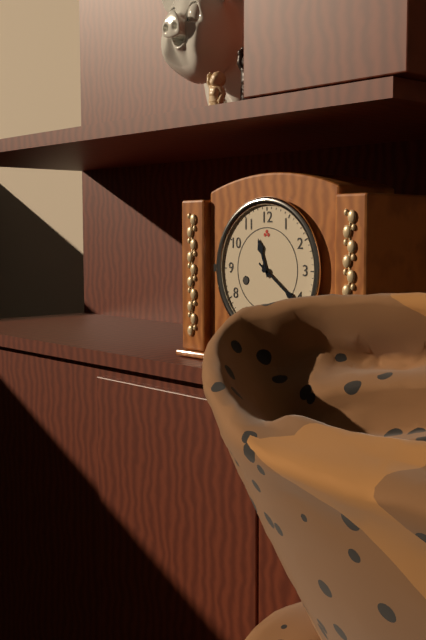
11:21
